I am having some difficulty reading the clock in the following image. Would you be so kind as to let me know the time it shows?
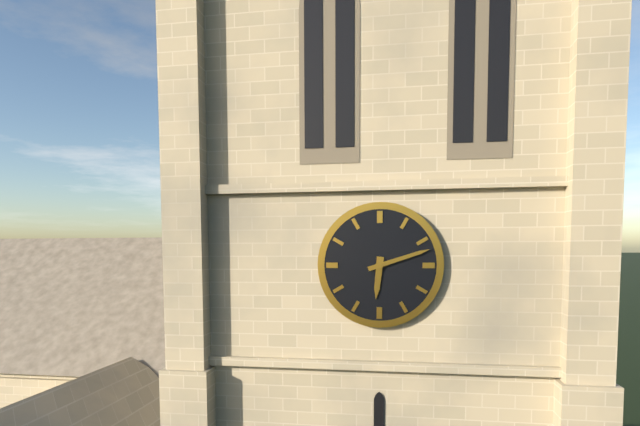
6:12
